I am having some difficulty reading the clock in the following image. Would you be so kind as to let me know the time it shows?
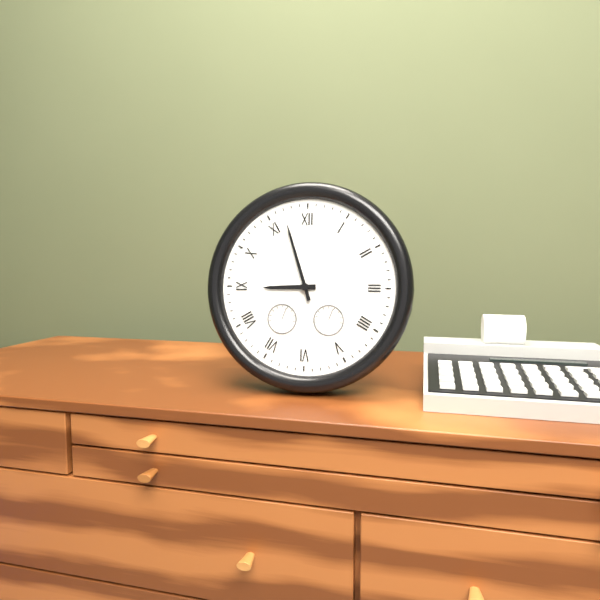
8:57
